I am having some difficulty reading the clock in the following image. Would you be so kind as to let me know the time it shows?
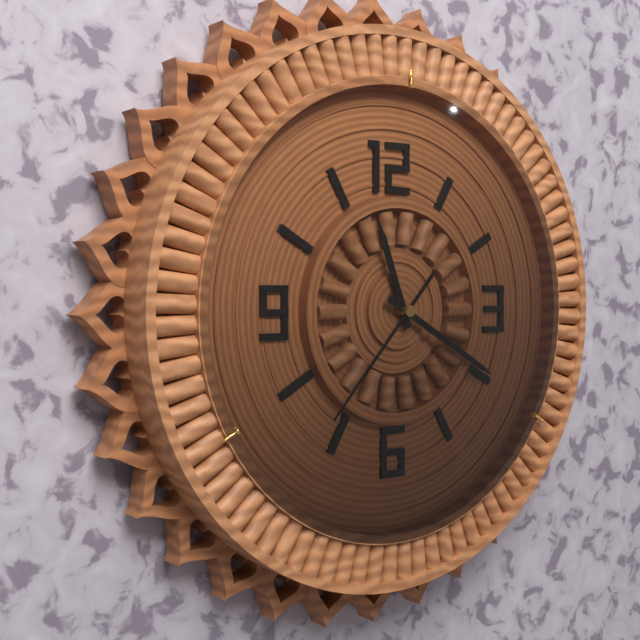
11:20:37
